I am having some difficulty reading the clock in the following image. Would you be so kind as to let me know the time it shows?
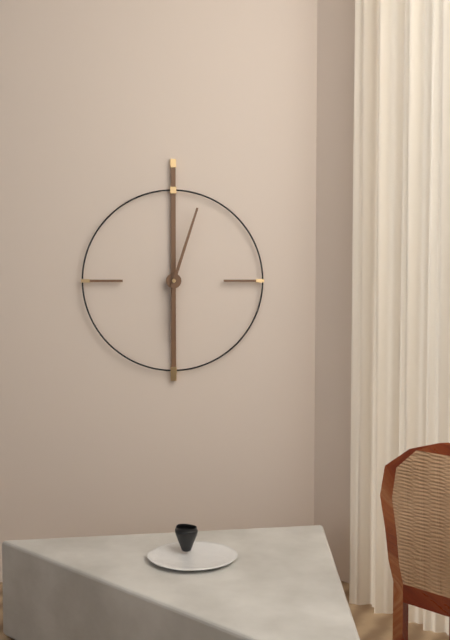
6:03
